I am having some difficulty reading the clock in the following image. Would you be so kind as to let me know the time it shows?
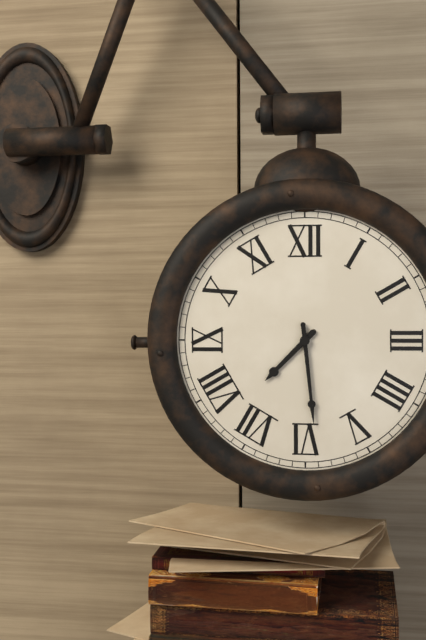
7:29
